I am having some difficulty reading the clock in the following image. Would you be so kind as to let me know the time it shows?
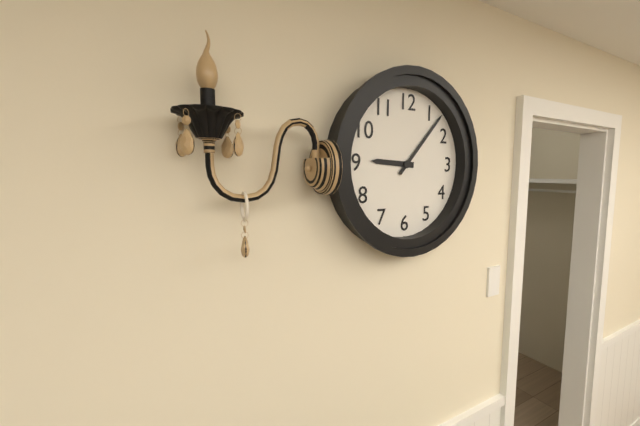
9:07
